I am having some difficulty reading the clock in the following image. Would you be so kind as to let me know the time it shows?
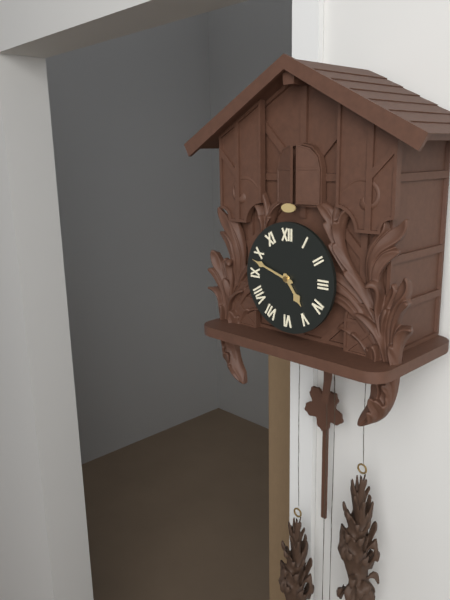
4:48
